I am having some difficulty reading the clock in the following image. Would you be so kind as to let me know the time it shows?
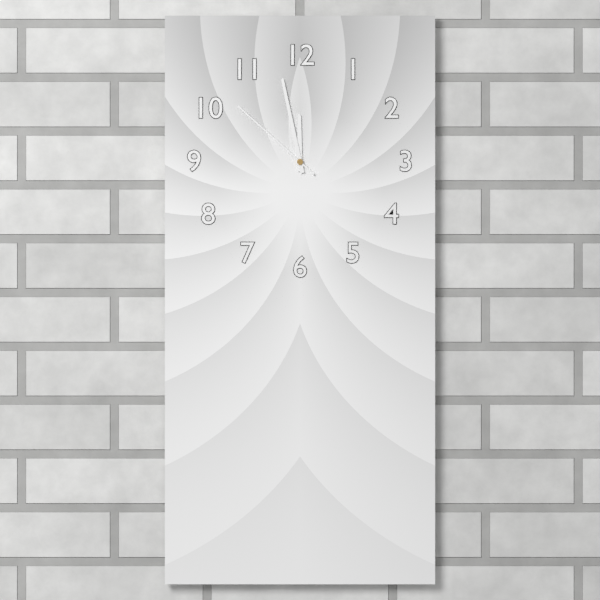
11:58:52
